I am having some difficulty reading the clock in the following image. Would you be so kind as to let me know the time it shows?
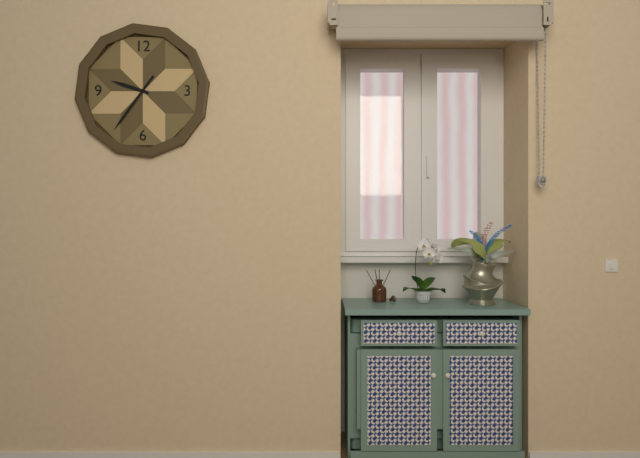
9:36
